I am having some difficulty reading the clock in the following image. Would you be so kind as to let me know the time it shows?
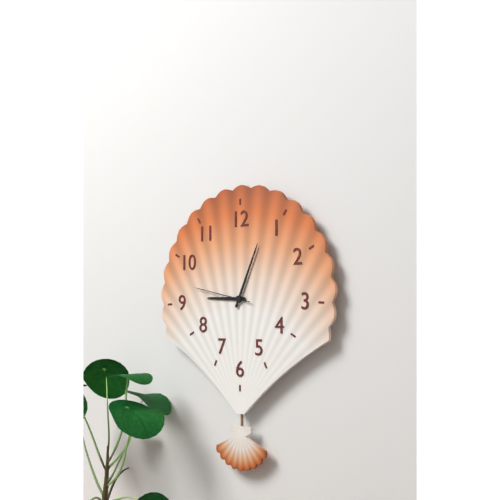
9:04:47
